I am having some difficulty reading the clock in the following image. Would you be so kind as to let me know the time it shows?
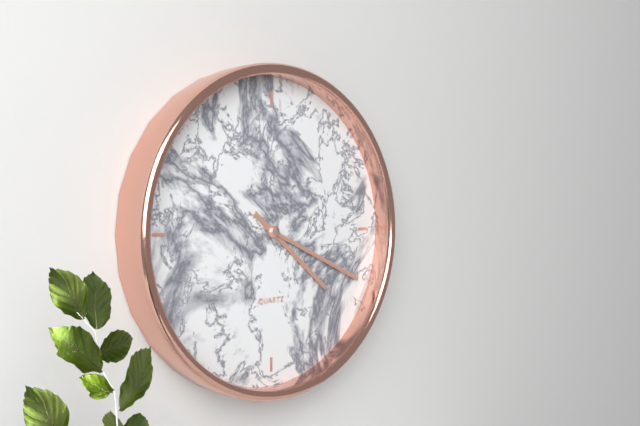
4:19
